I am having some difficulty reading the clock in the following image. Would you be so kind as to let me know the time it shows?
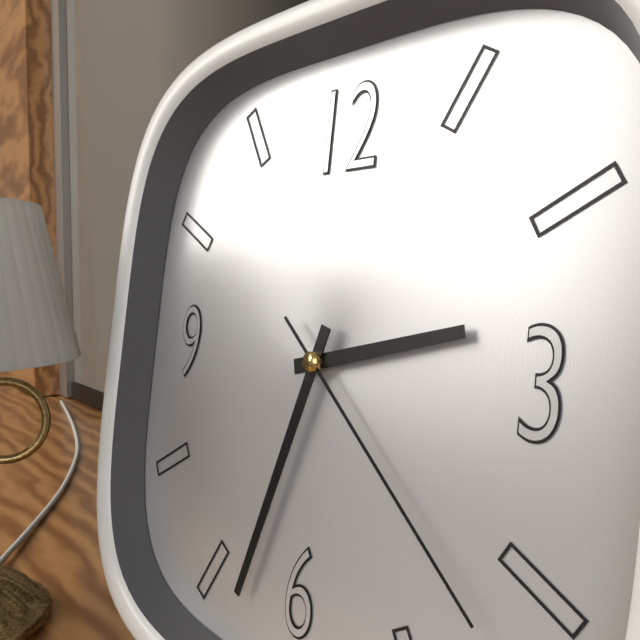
2:33:22
